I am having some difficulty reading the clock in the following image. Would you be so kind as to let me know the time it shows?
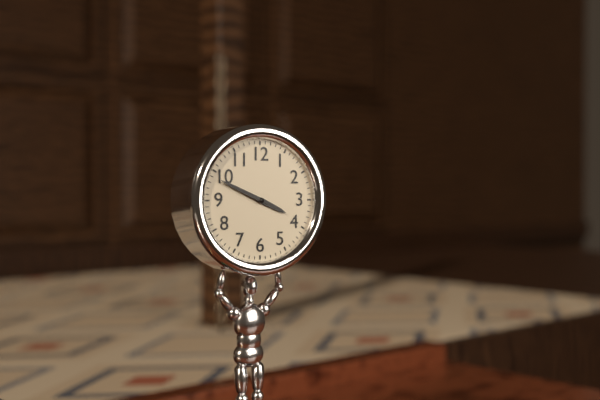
3:49
